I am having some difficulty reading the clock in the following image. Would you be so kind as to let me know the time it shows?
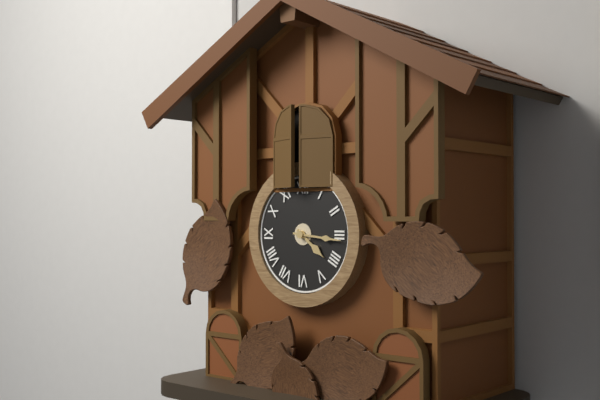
4:16
